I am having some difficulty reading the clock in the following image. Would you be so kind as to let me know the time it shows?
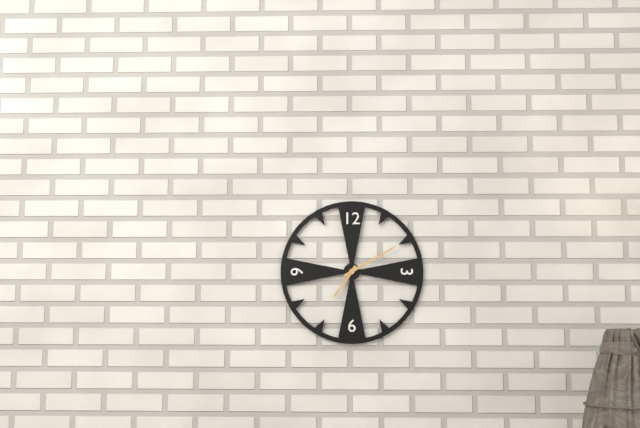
7:10
